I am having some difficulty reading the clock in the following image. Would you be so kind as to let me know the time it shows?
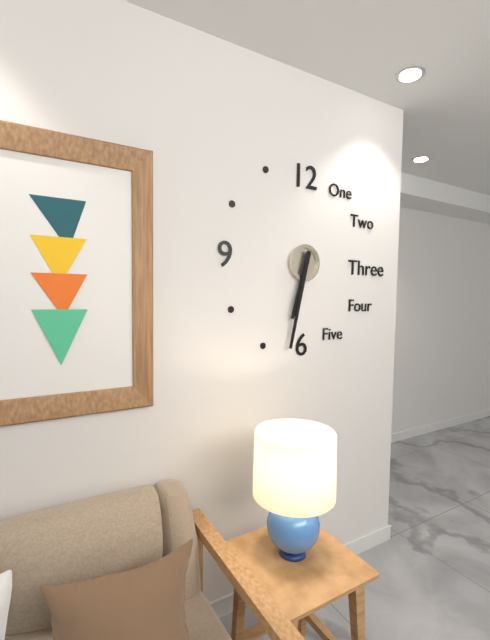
6:32
